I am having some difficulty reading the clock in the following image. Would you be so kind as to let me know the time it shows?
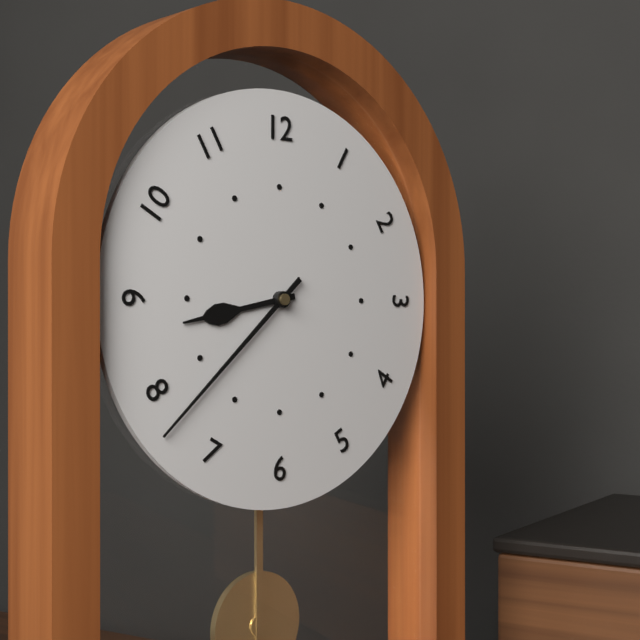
8:38
